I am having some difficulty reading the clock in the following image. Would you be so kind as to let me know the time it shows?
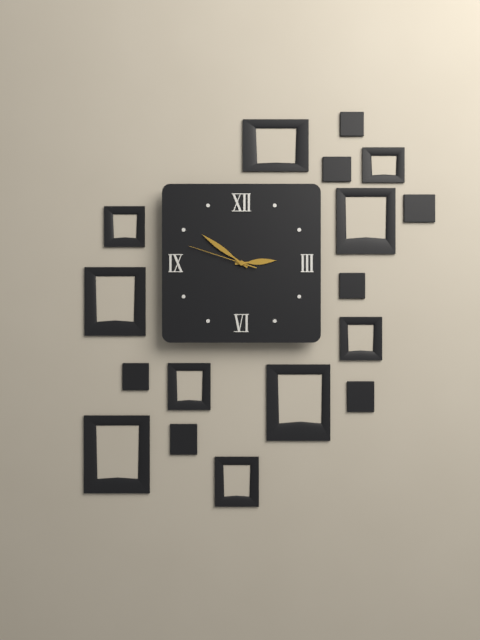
2:51:48
